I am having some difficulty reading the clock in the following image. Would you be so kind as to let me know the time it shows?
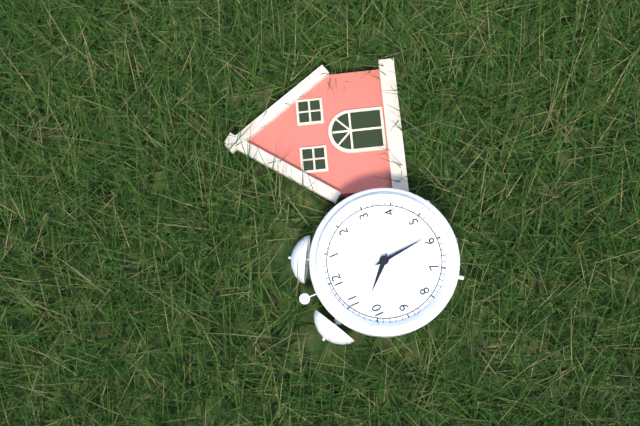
10:29
